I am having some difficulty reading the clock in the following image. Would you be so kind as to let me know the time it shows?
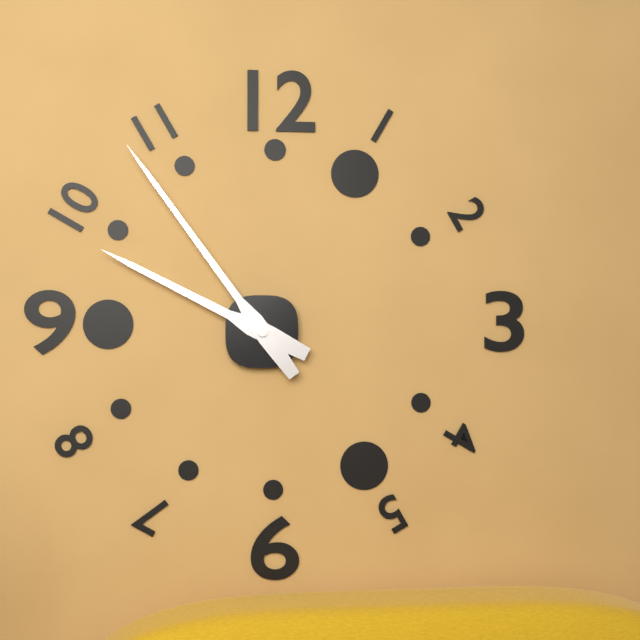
9:54
